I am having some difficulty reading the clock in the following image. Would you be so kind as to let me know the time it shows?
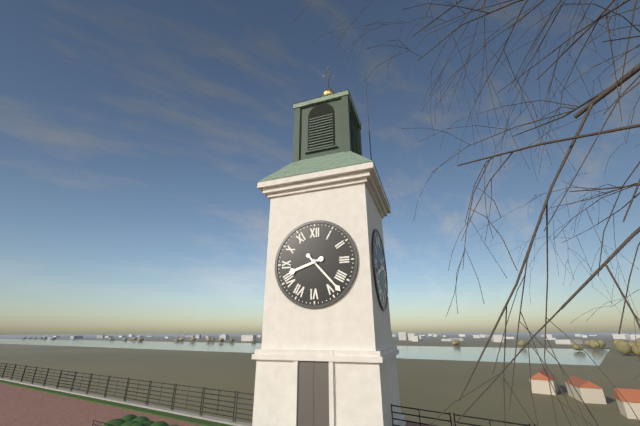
8:23
